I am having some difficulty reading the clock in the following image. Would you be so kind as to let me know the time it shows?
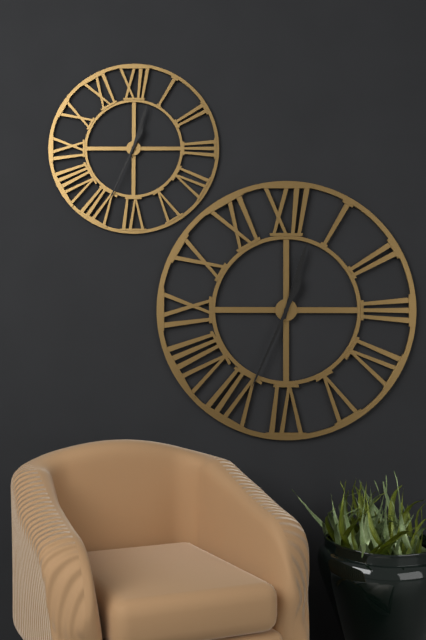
12:34
